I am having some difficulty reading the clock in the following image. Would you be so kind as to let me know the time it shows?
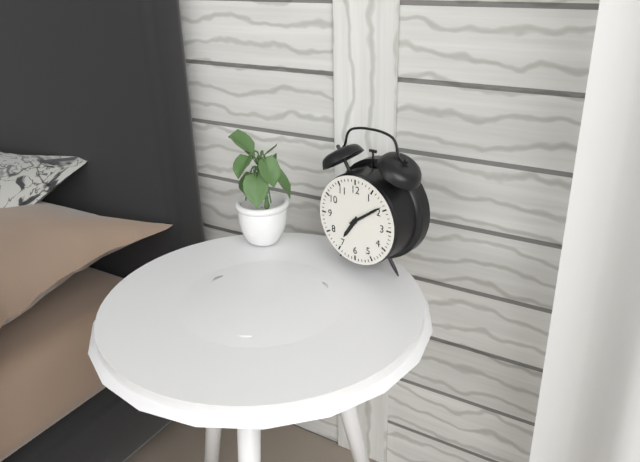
7:09
